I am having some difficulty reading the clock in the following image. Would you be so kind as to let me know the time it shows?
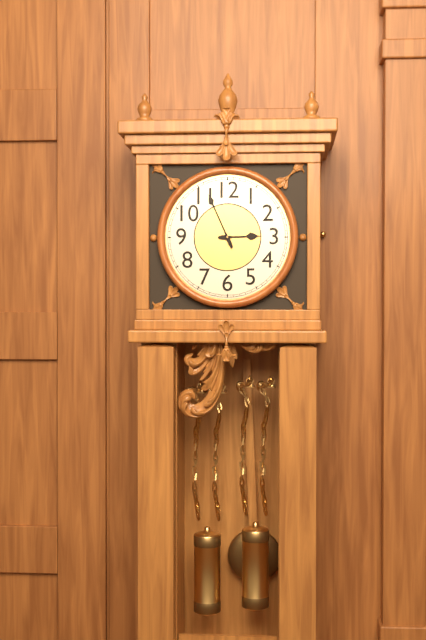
2:56
